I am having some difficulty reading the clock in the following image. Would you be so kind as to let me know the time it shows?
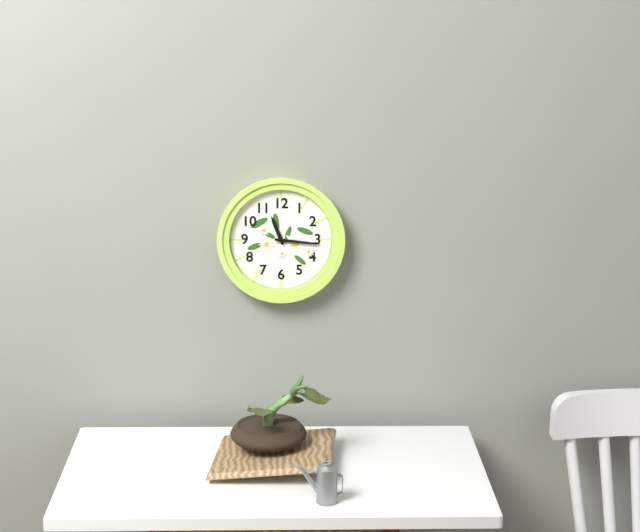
11:16
